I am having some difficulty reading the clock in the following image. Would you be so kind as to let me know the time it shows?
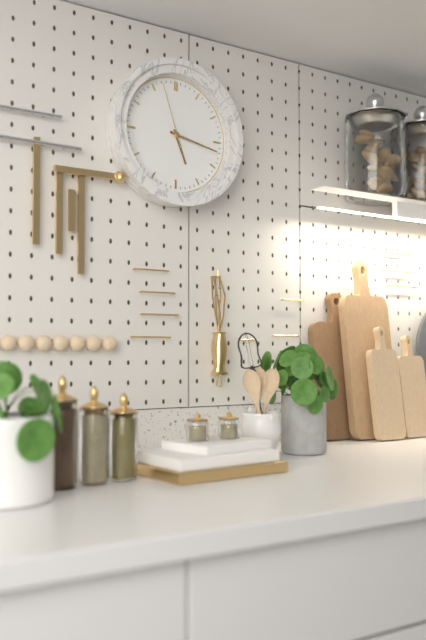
5:17:57
